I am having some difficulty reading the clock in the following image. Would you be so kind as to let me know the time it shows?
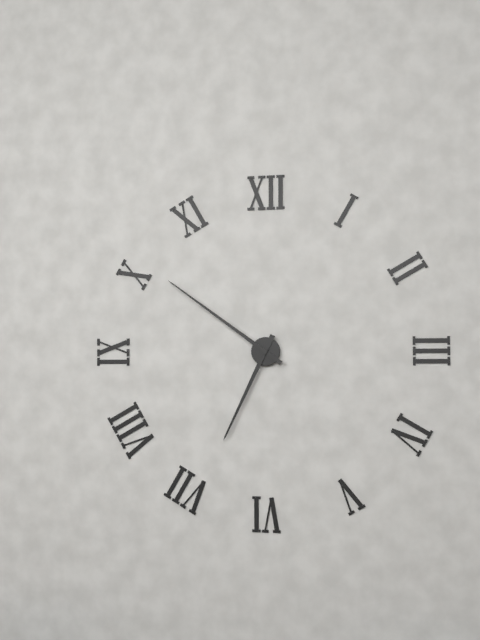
6:51
